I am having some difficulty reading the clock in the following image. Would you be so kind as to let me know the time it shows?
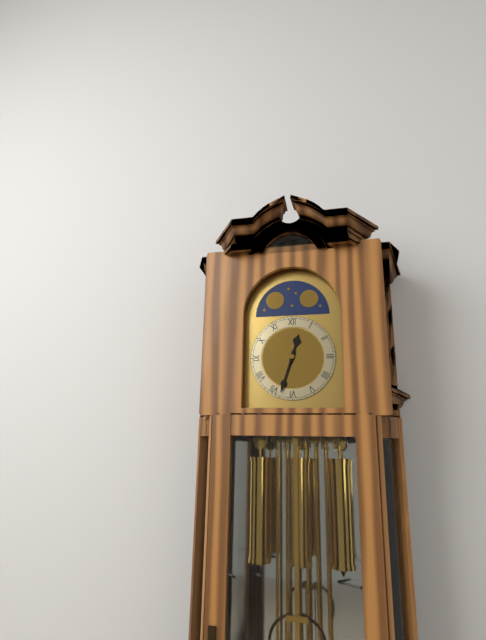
12:33
